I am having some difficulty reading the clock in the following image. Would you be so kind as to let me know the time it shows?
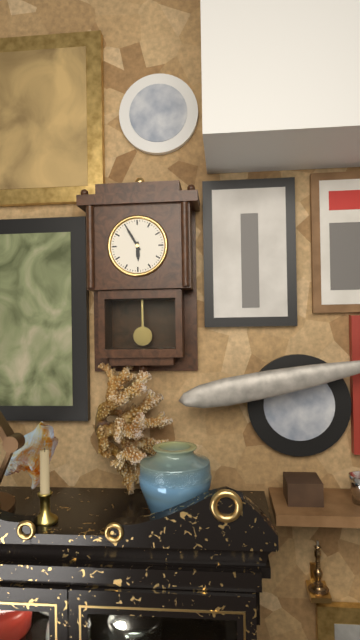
5:55
